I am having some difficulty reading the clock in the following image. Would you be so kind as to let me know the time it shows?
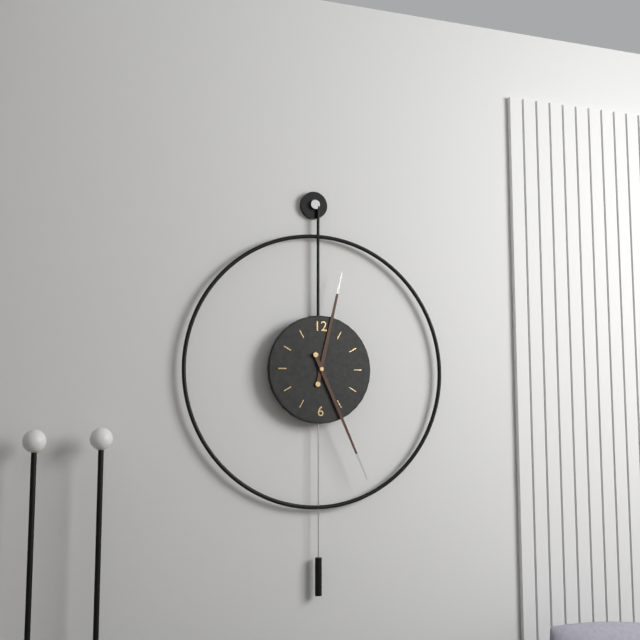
12:26
